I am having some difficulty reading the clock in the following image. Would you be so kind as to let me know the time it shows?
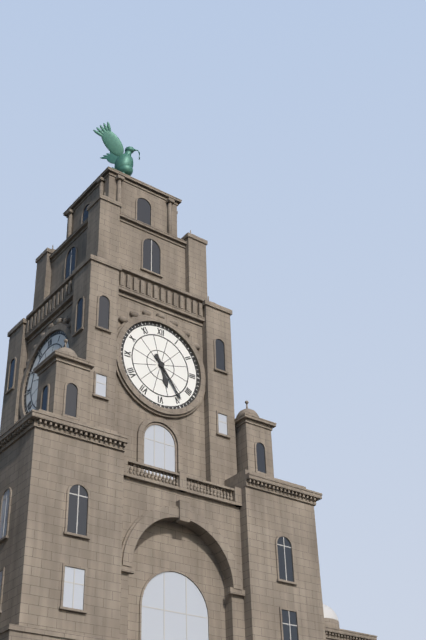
5:24
